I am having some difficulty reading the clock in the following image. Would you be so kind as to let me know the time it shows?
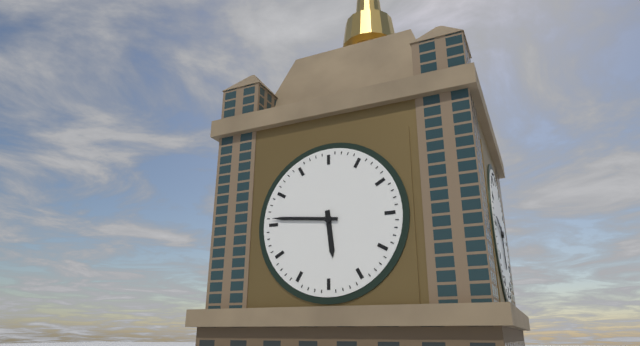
5:46
